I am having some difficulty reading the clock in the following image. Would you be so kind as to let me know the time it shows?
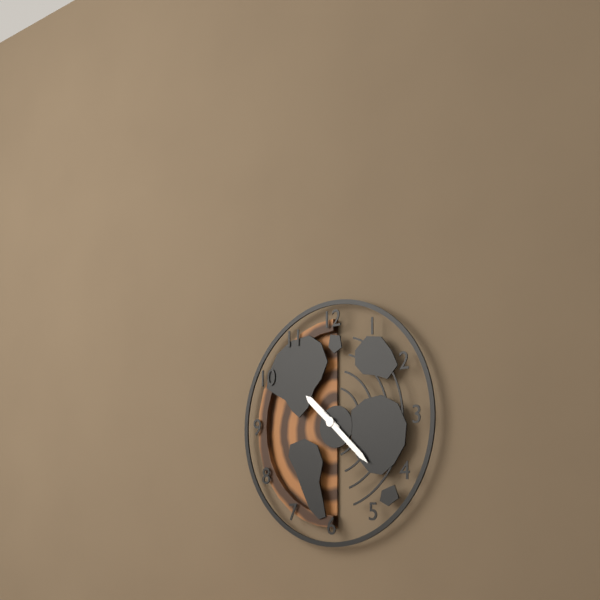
10:22
